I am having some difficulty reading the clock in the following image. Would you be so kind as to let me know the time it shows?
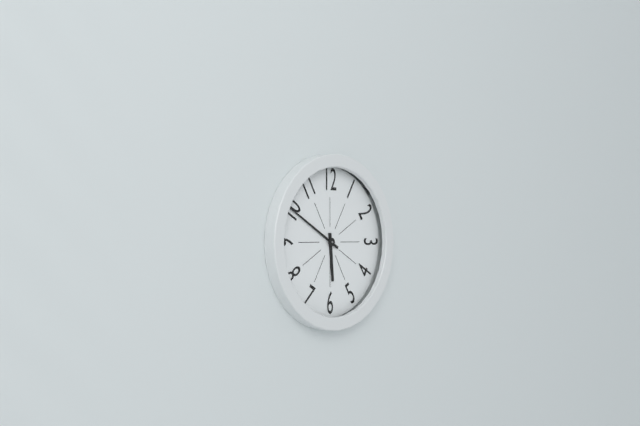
5:50
